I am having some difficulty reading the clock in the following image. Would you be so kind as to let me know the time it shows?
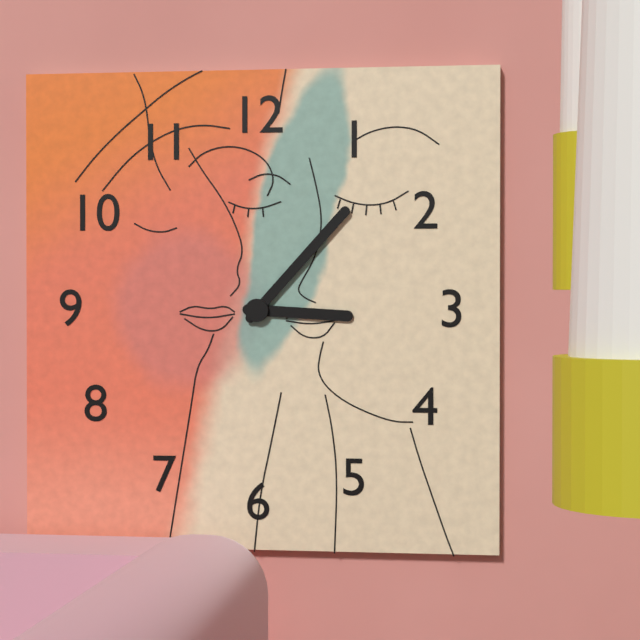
3:07
